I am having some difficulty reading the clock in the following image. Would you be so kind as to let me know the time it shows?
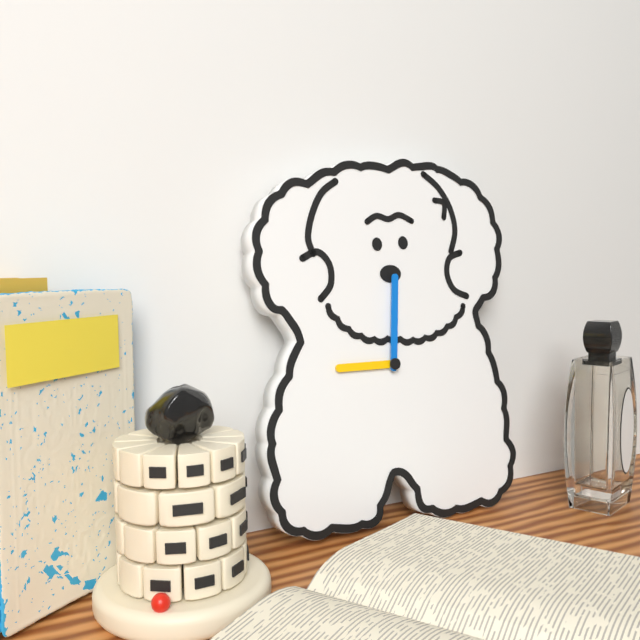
9:01
